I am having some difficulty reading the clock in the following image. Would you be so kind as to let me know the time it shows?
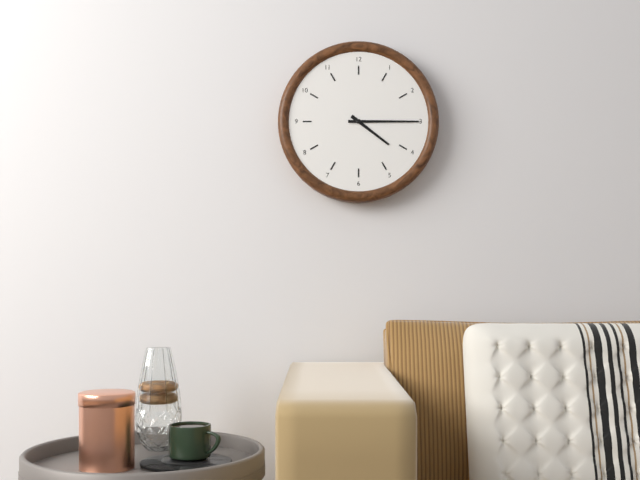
4:15
